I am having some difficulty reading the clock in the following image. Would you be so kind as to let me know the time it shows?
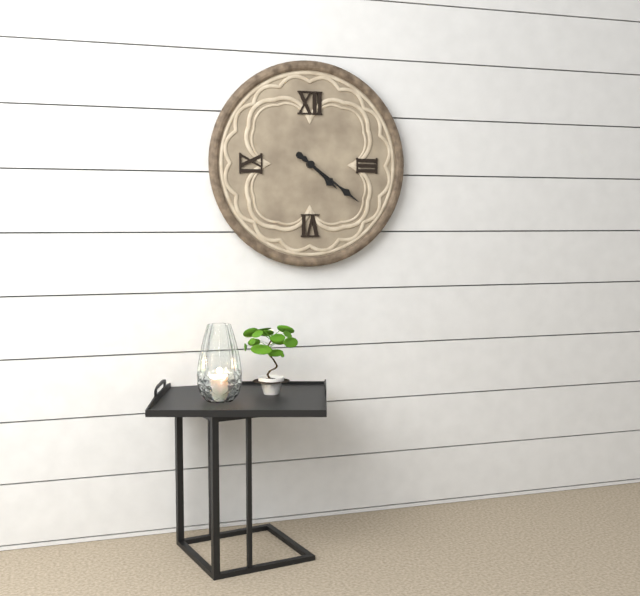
4:21
